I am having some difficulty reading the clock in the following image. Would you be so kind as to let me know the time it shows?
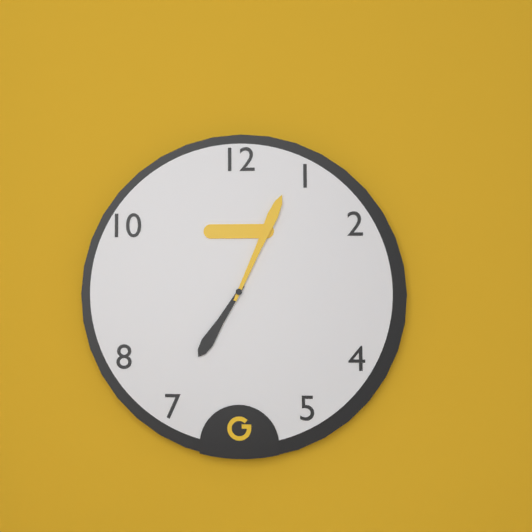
7:04
